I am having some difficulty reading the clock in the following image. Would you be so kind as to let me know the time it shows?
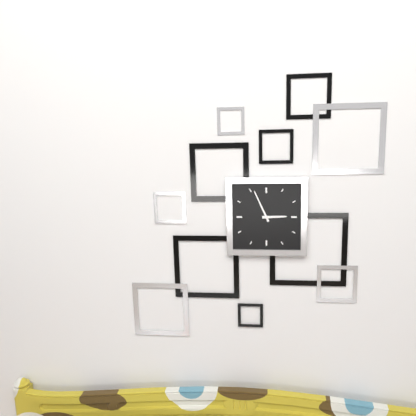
2:56
